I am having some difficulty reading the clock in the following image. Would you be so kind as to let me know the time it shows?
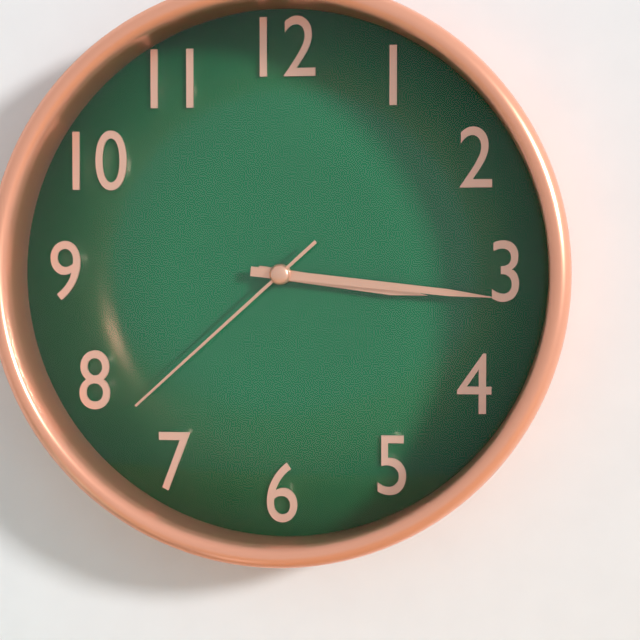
3:16:38
